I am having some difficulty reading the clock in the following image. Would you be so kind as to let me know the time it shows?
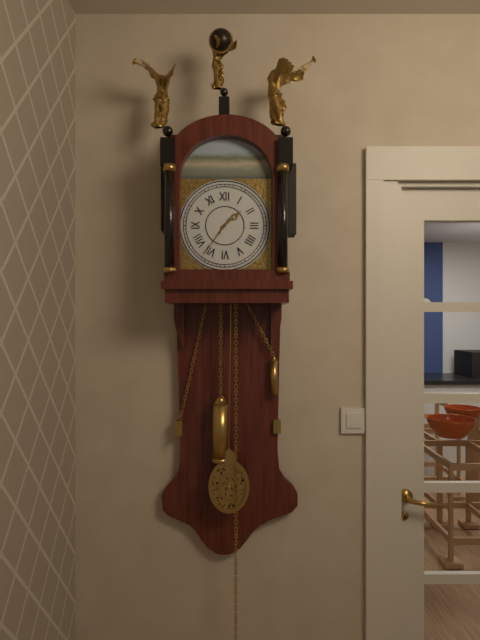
1:36
